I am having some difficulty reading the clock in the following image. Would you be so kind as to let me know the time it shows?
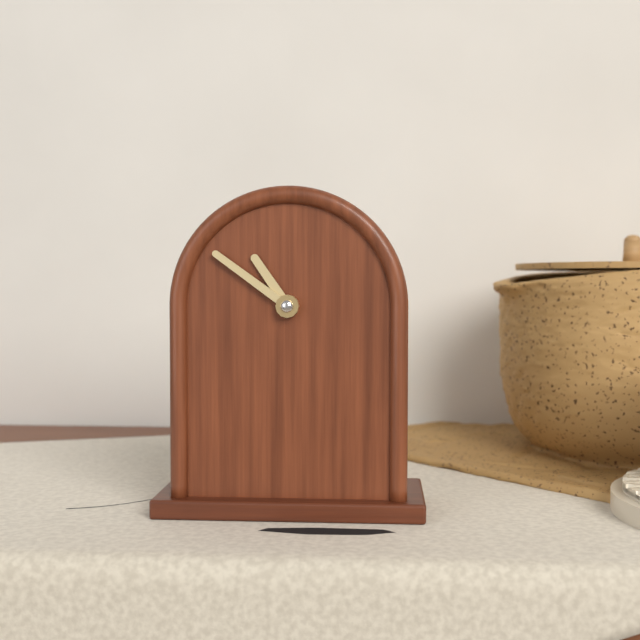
10:51
